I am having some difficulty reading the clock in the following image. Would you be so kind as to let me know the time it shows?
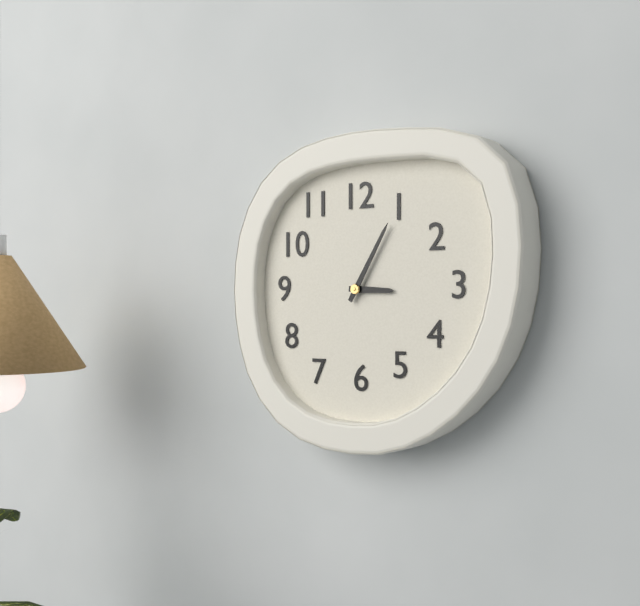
3:05
